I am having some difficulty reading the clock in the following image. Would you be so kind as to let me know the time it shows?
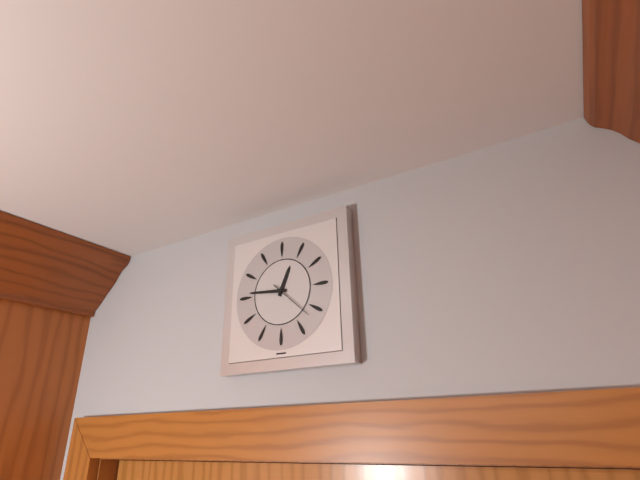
12:46
